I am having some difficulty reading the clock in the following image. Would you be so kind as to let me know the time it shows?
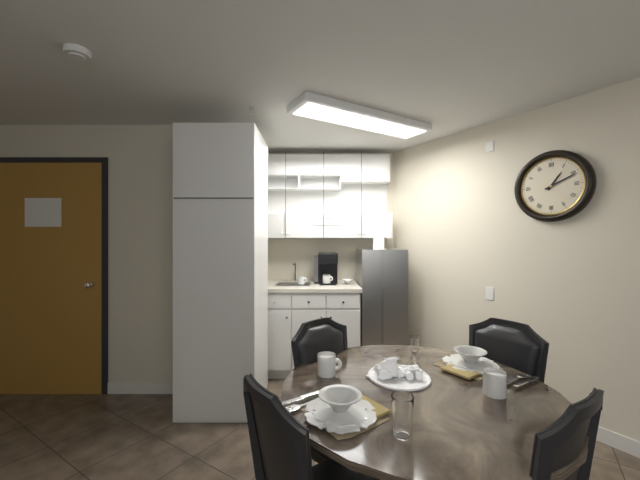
1:11
